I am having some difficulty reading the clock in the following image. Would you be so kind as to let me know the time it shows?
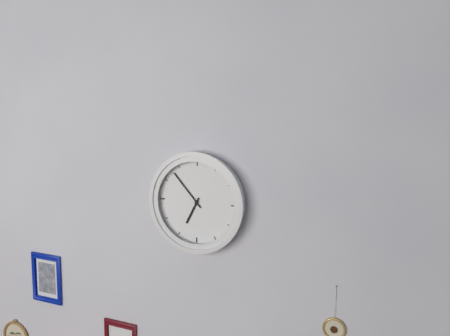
6:53
